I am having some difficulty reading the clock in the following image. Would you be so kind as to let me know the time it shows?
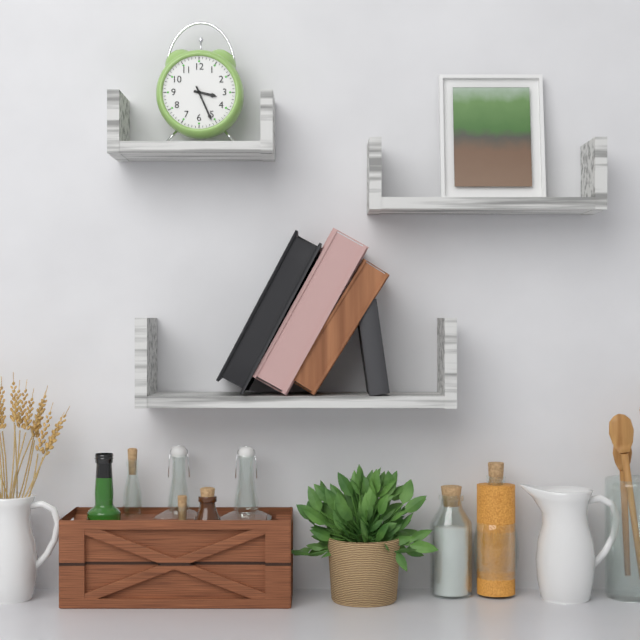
3:26
